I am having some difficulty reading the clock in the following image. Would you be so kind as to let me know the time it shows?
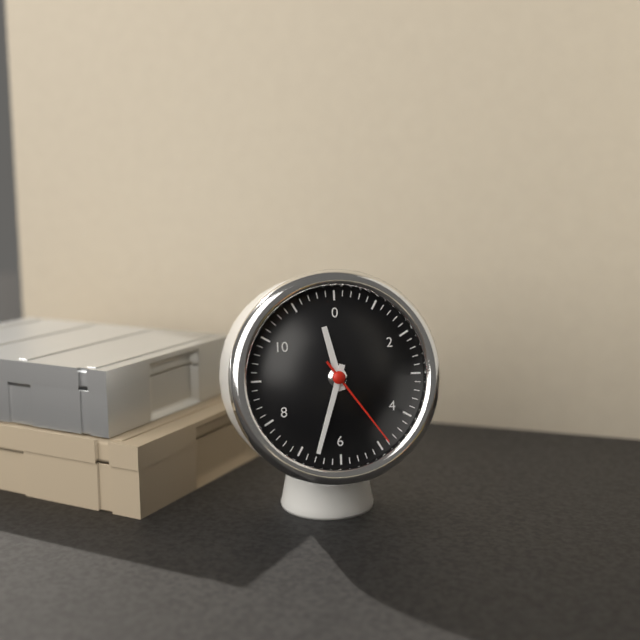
11:33:24
